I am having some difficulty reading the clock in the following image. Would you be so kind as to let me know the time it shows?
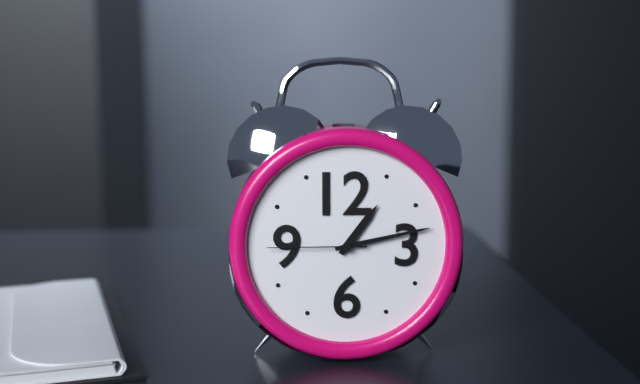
1:13:45
